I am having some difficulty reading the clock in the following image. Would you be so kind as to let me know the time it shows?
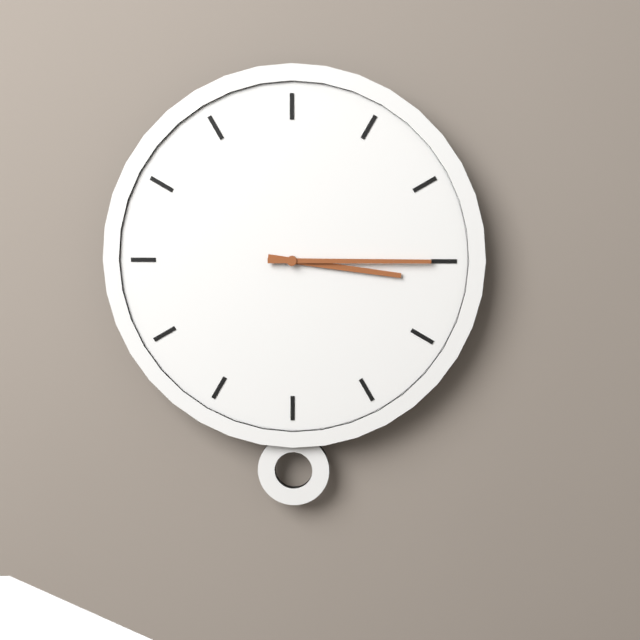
3:15
